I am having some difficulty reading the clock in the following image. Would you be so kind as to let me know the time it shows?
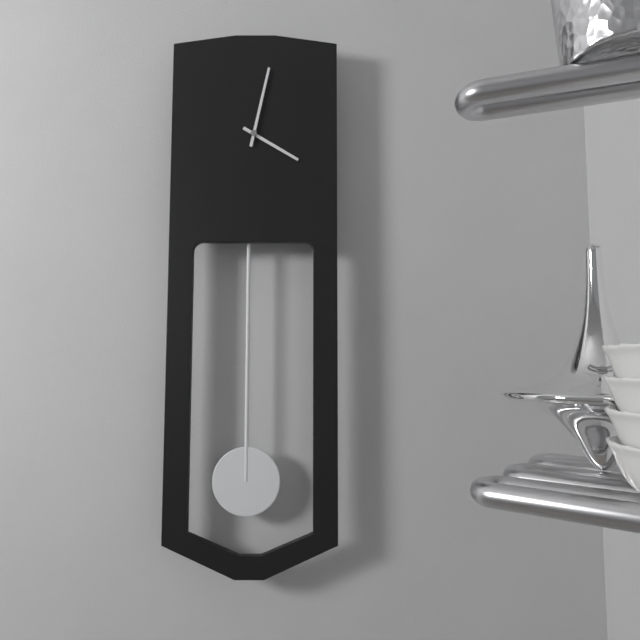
4:02
